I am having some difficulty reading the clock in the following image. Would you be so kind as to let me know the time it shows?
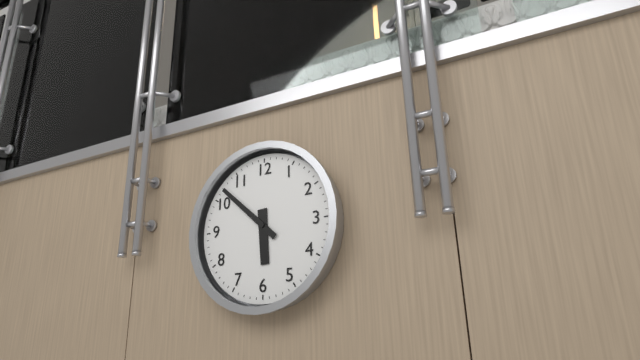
5:52
